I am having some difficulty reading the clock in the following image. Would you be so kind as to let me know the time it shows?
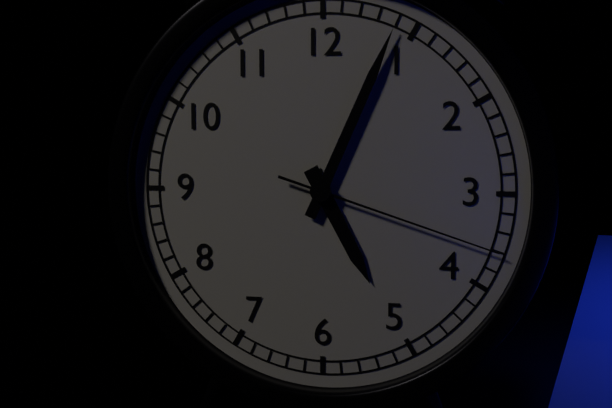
5:04:18
